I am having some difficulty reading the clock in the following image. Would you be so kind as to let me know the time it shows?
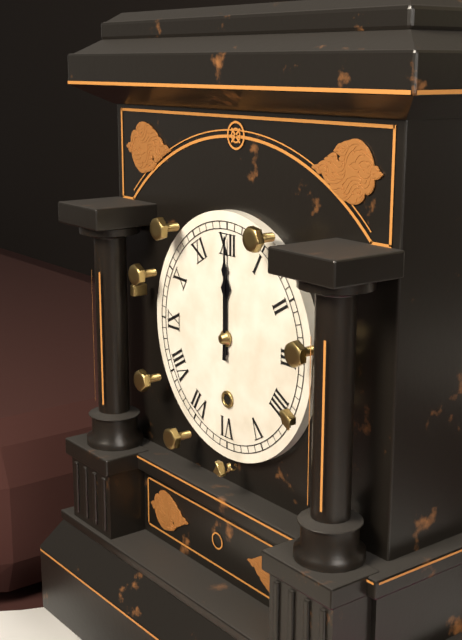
12:00
